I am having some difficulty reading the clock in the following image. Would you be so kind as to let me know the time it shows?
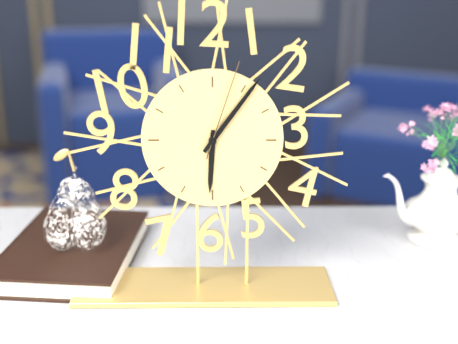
6:06:03
